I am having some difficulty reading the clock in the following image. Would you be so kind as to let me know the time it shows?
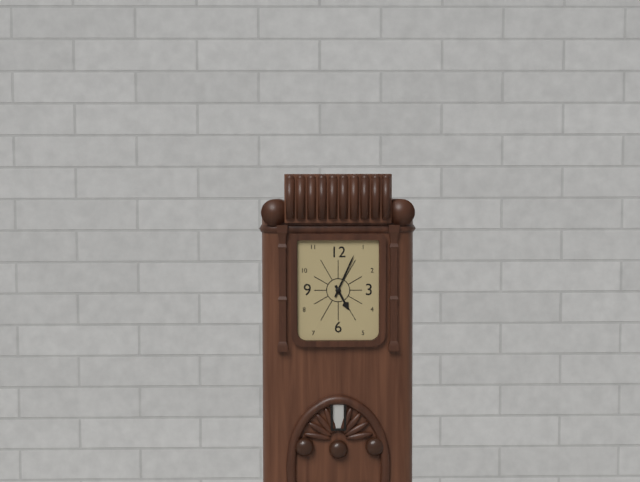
5:04
